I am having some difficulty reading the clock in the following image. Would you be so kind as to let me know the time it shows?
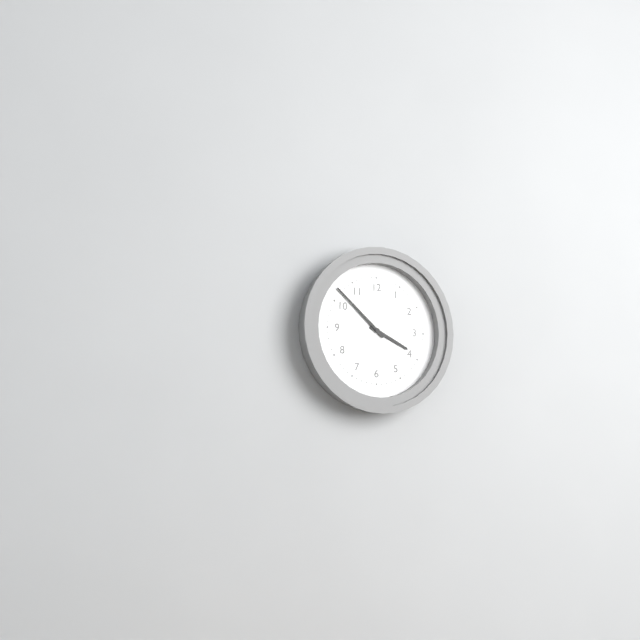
3:52
